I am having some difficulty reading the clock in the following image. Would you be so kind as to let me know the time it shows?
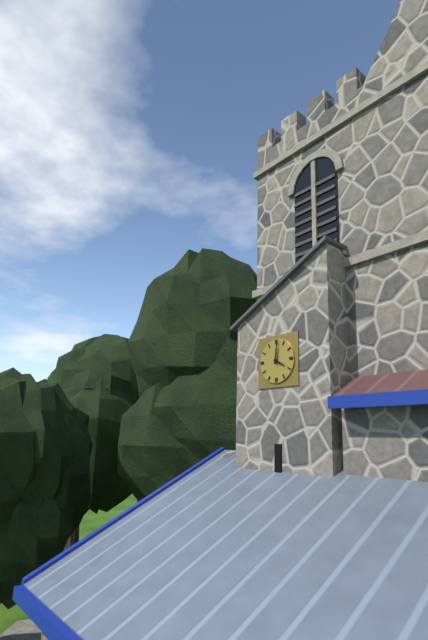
4:01
